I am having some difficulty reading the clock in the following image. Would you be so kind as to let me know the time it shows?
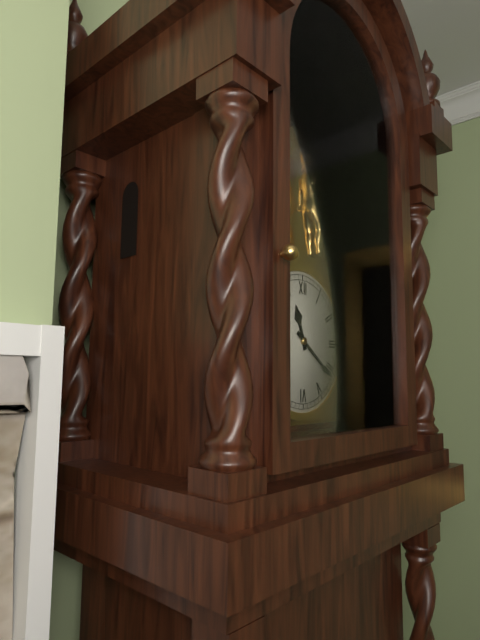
11:21
